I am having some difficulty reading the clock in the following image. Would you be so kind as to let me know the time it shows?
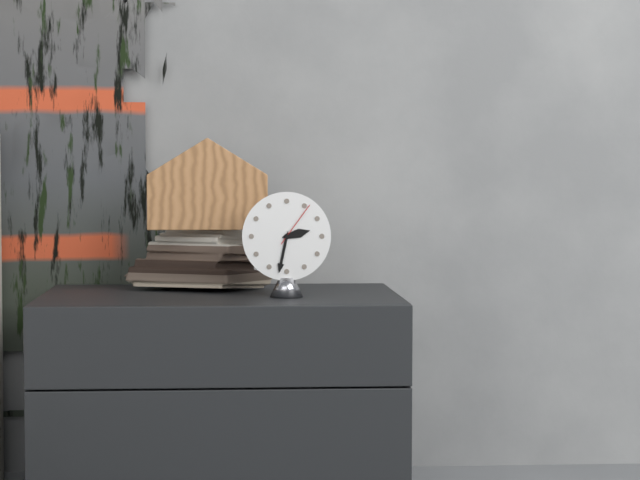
2:32
